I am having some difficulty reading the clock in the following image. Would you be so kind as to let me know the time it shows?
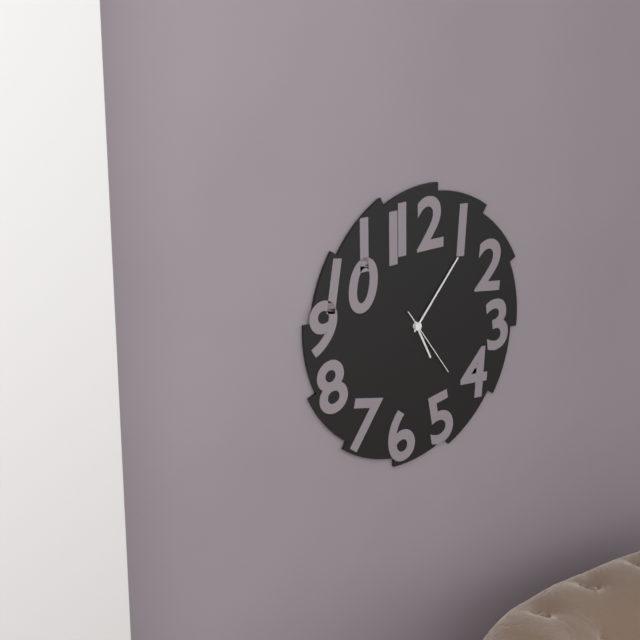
5:07:24
